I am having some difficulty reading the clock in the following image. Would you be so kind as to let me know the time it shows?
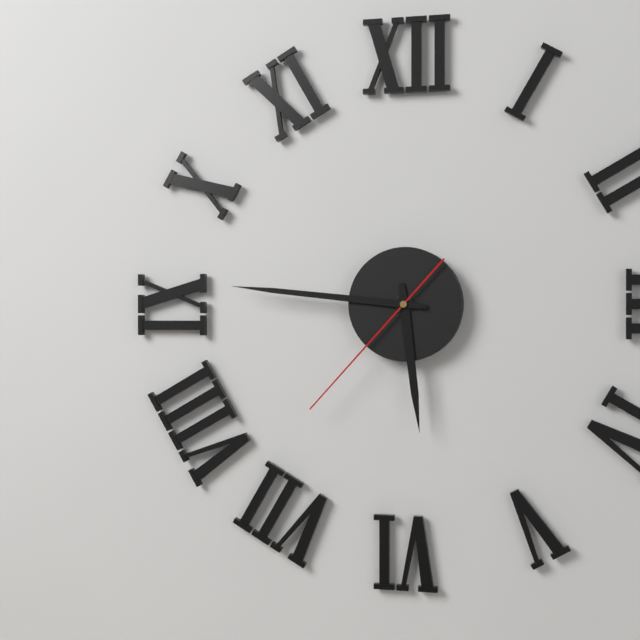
5:46:37
